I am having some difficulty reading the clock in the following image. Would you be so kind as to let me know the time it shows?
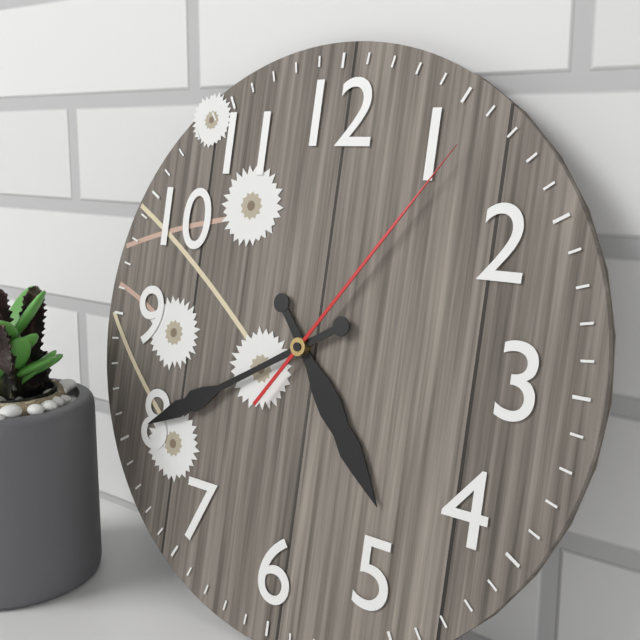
4:40:06
